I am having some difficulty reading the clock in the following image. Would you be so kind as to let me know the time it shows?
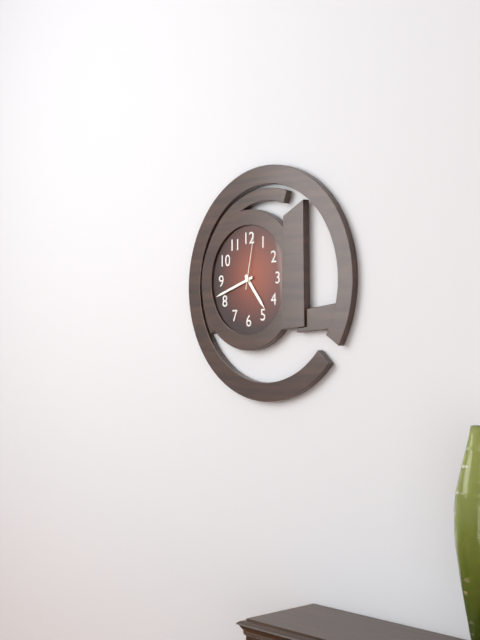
4:42:02
